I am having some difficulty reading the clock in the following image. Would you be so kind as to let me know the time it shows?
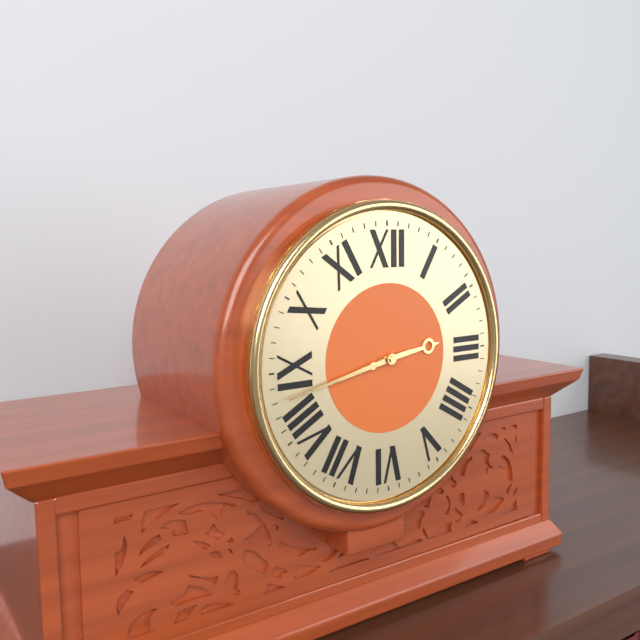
2:43
